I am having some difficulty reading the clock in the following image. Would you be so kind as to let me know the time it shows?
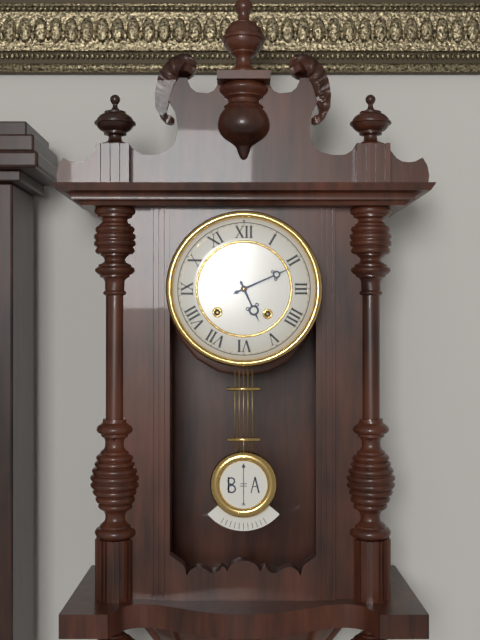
5:11
